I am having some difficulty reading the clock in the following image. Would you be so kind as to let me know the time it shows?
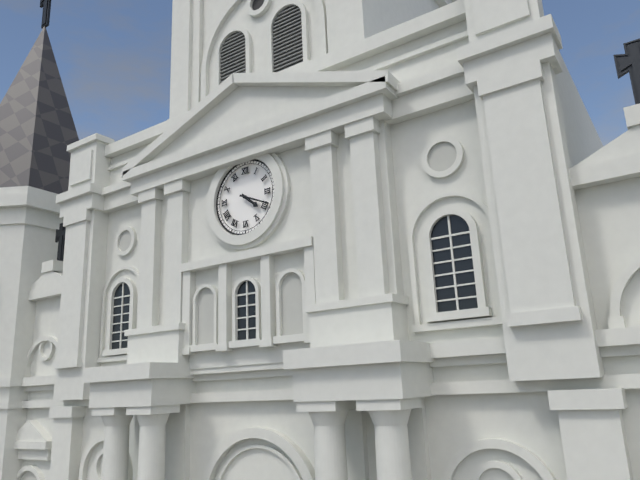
4:19
